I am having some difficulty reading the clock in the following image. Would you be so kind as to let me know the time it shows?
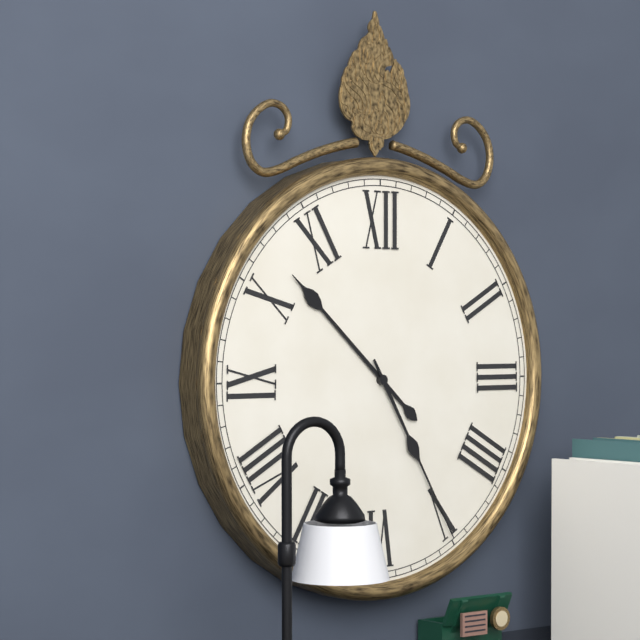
10:25
